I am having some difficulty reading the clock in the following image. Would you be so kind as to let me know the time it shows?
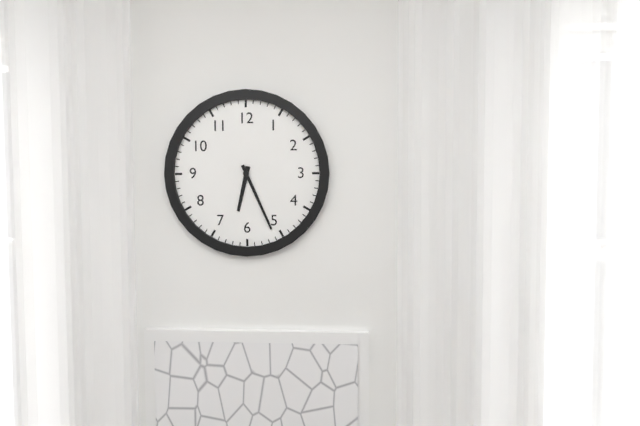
6:26
